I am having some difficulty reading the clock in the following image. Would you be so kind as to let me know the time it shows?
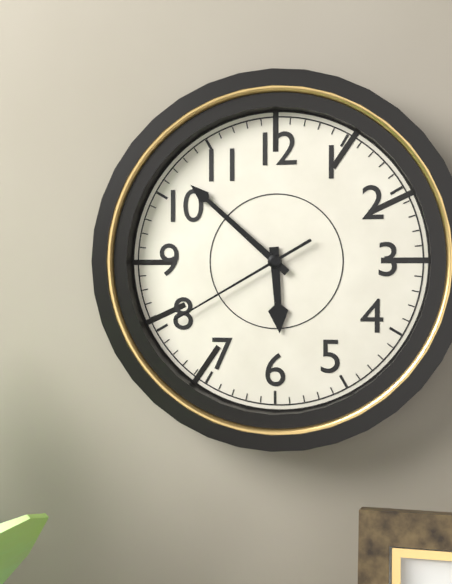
5:52:40
